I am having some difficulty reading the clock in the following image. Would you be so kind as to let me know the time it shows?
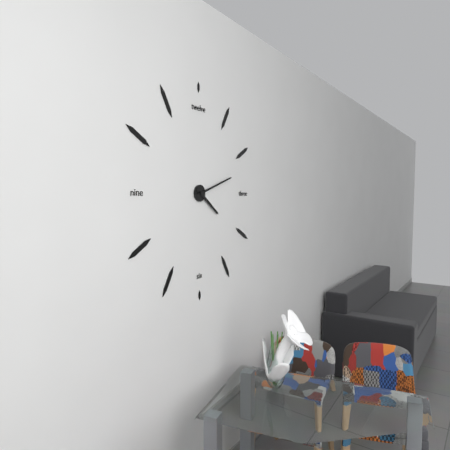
4:12
